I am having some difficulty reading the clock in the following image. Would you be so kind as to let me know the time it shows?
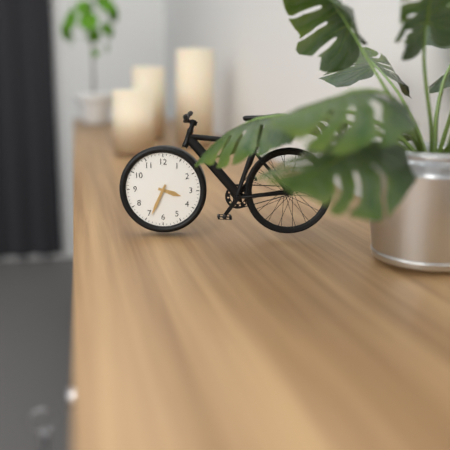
3:34
